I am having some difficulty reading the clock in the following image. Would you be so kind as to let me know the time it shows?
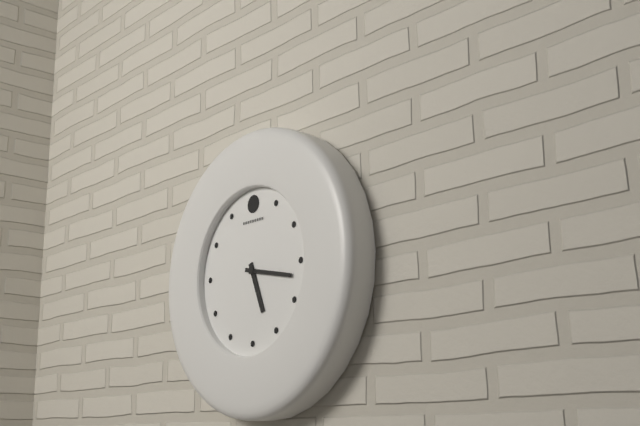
5:17
